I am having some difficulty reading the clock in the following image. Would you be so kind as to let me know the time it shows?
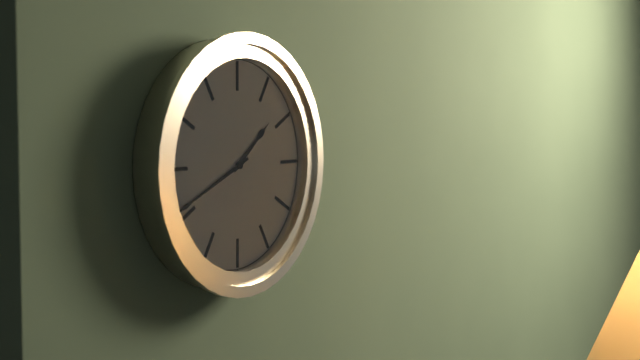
1:41
